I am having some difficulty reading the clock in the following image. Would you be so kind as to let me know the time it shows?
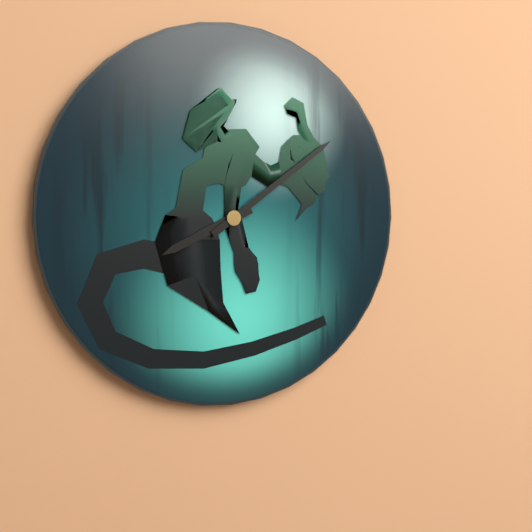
8:09
